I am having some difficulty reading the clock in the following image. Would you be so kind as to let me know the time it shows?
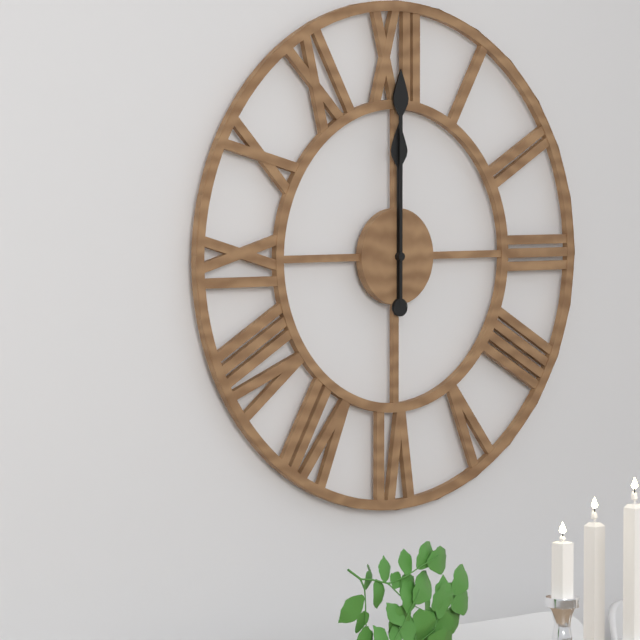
12:00
